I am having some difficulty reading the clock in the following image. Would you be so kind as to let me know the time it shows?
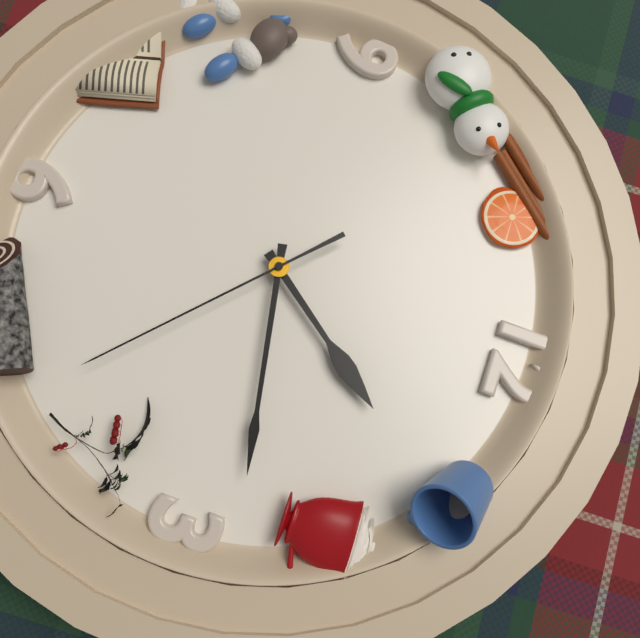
1:13:22
